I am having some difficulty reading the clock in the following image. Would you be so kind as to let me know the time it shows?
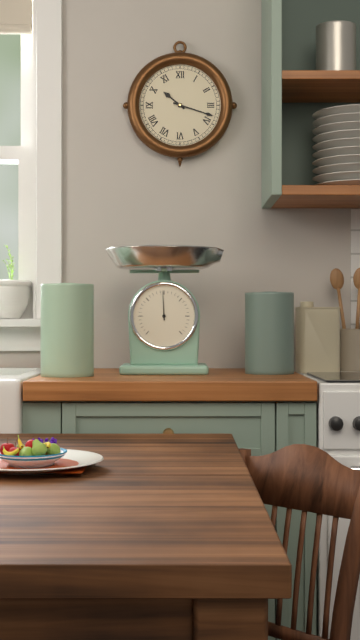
10:18
